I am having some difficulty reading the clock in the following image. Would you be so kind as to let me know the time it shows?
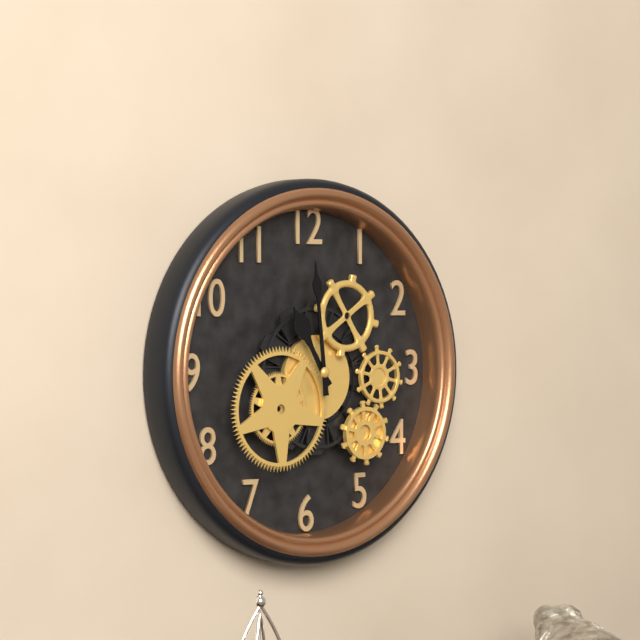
10:59
